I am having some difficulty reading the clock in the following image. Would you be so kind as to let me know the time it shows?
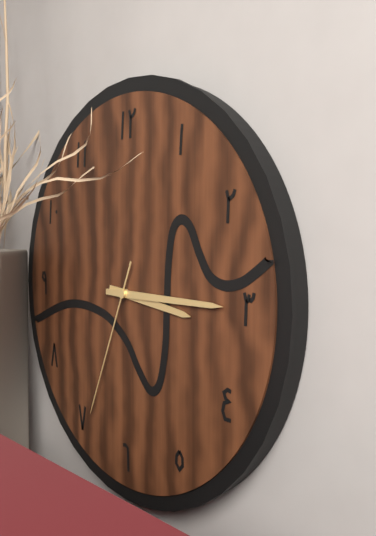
3:15:34
